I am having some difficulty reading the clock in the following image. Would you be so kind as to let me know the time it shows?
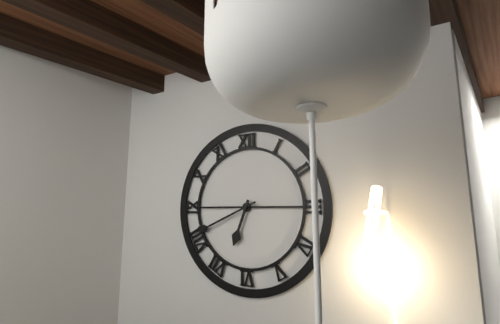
6:41
